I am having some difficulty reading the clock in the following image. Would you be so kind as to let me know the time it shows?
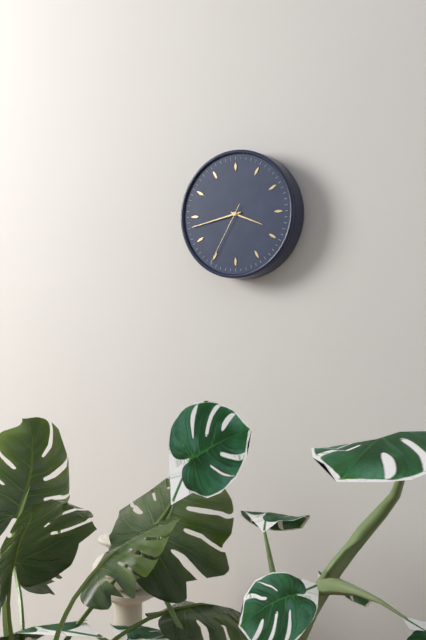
3:43:35
